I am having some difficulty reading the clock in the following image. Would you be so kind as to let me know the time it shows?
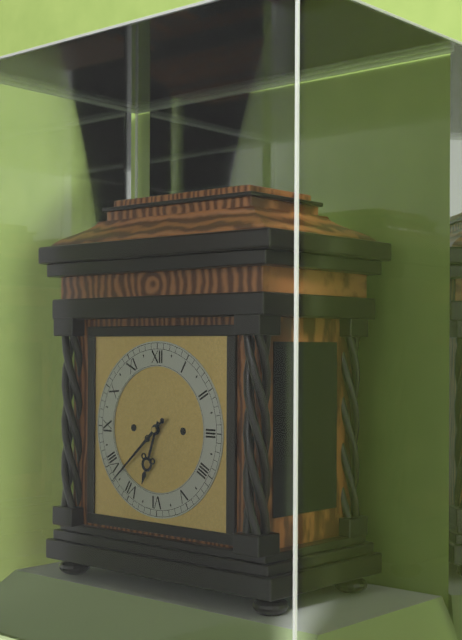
6:38
